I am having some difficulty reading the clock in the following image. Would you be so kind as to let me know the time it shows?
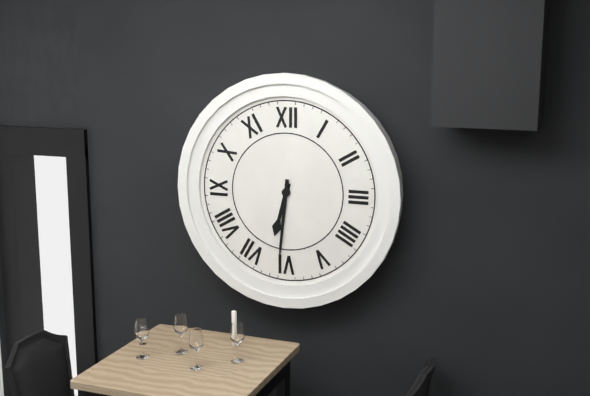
6:31
